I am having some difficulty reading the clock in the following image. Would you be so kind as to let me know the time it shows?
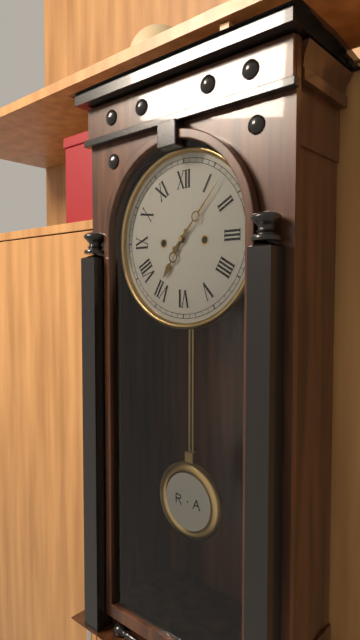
7:07
